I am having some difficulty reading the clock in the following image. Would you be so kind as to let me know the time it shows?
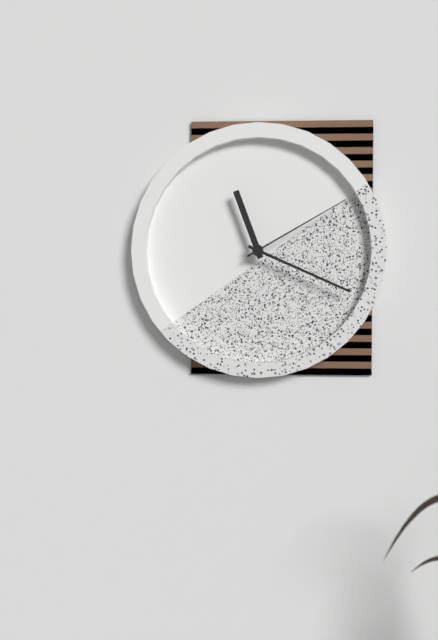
11:19:10
